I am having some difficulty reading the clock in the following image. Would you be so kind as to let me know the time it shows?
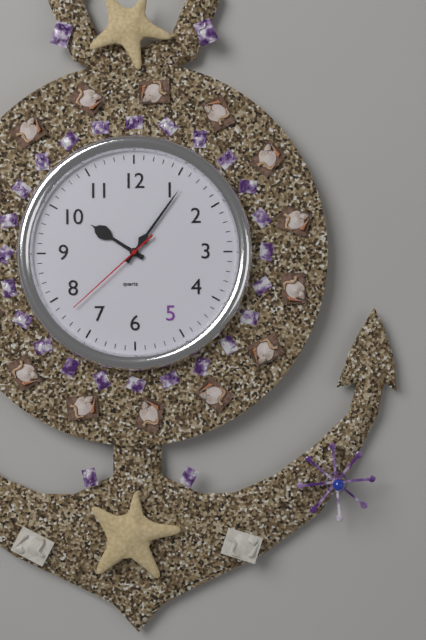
10:06:38
